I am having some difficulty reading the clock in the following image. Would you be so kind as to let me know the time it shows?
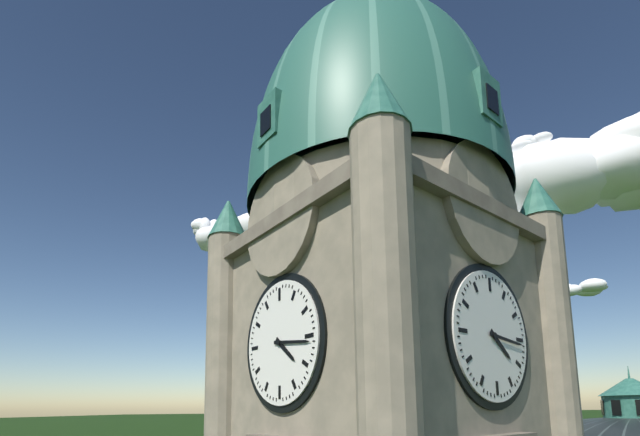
4:16
